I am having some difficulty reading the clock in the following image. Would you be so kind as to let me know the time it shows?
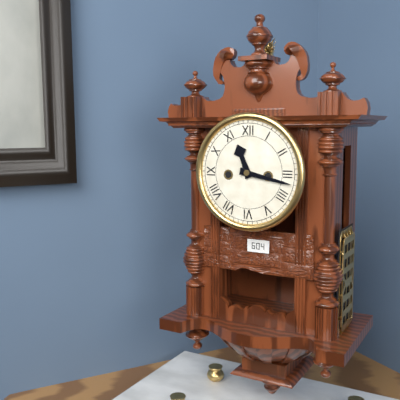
11:17
